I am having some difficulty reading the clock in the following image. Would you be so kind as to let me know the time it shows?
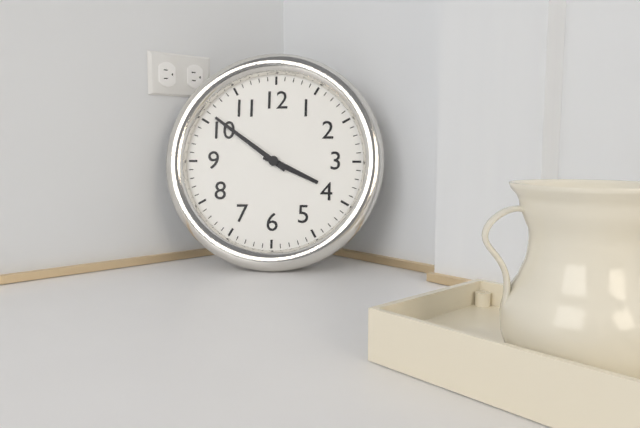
3:51
